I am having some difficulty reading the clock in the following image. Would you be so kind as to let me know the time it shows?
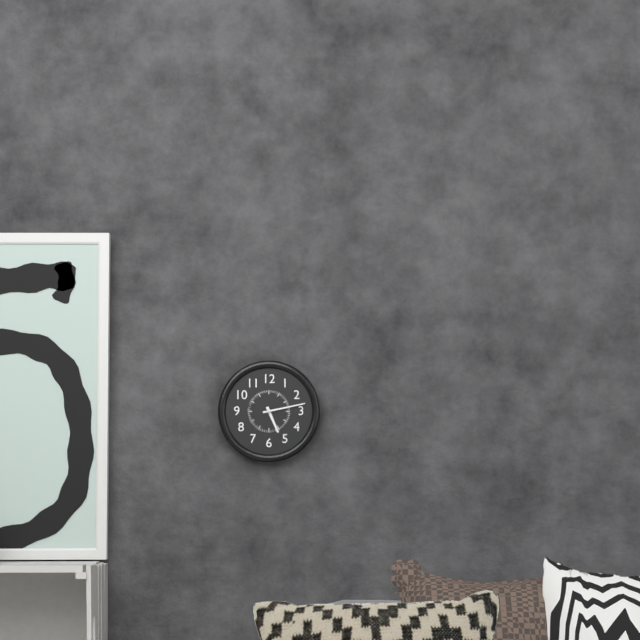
5:13
